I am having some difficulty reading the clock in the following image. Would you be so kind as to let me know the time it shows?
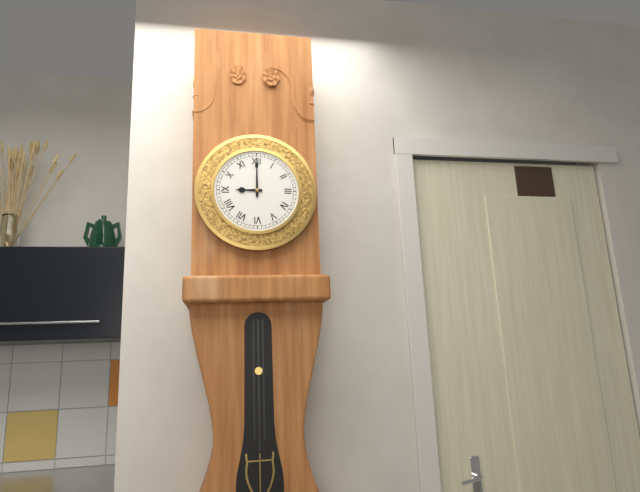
9:00
